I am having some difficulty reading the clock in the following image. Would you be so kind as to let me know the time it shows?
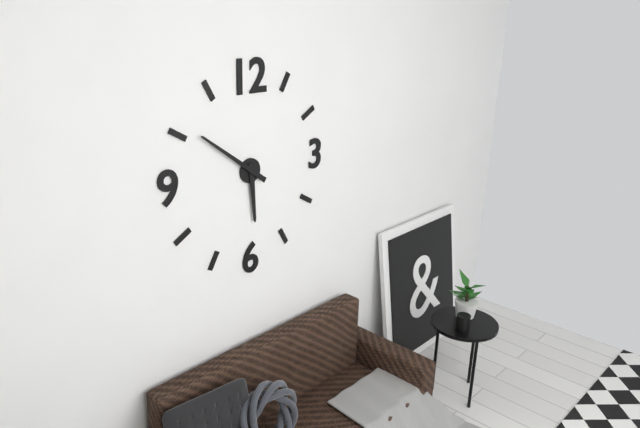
5:51
